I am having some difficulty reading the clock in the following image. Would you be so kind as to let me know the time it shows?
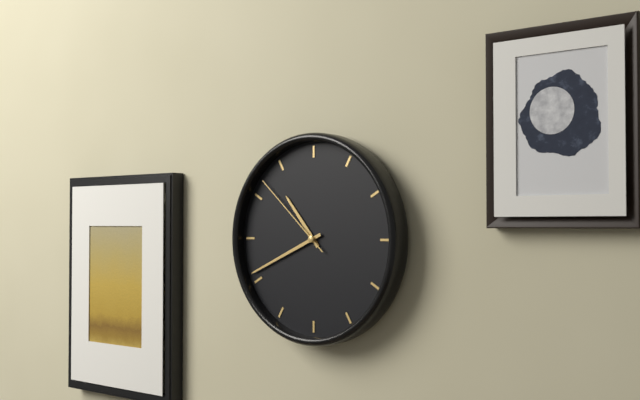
10:41:52
